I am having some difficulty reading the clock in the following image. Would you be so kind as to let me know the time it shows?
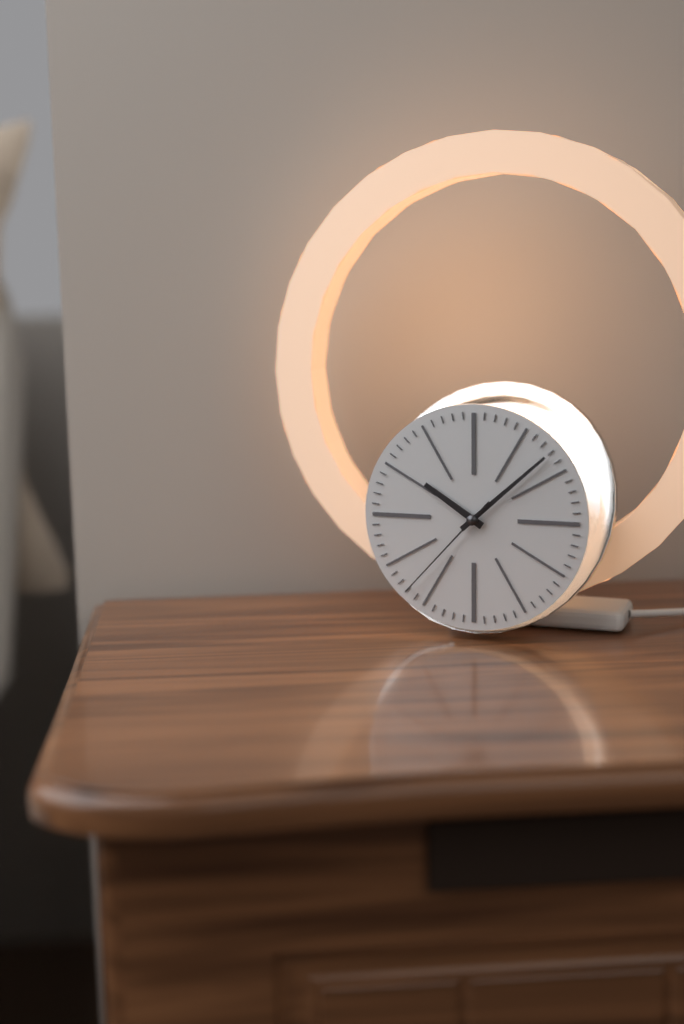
10:08:37
